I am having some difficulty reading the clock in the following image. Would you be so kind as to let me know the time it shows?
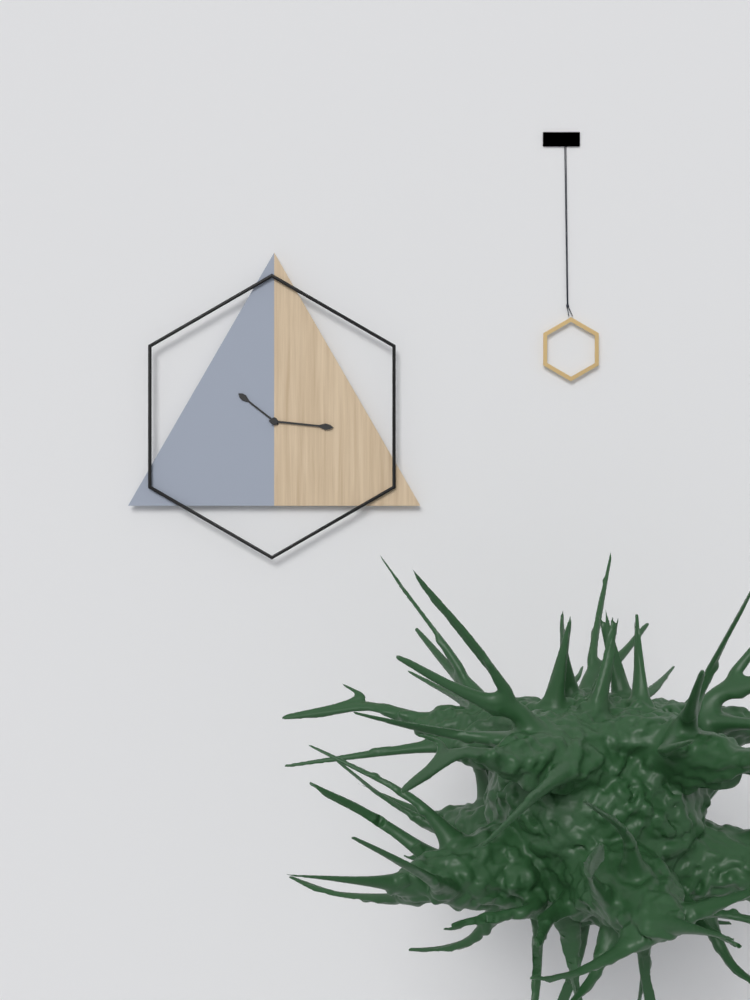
10:16
